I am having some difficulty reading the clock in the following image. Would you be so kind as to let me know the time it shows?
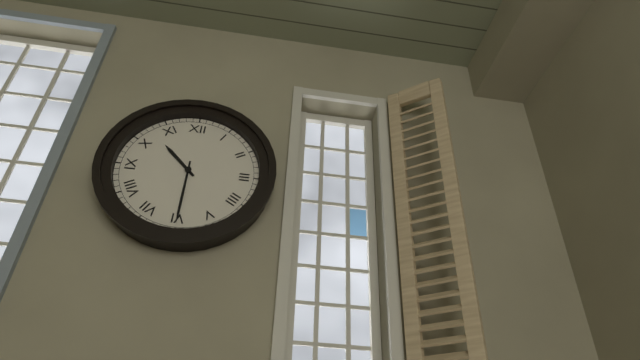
10:30
